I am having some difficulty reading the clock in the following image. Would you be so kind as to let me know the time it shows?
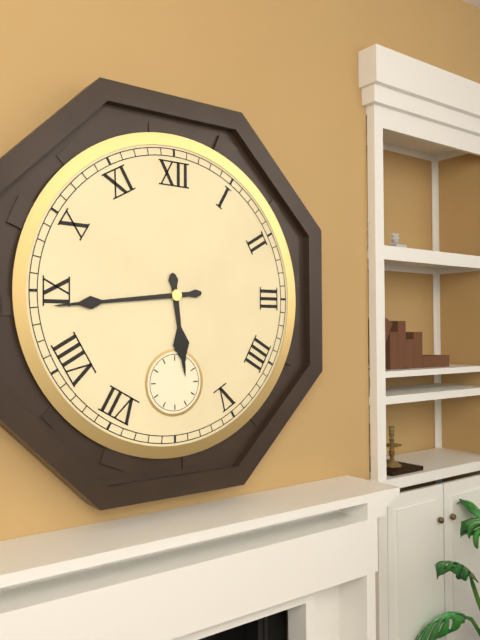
5:44
